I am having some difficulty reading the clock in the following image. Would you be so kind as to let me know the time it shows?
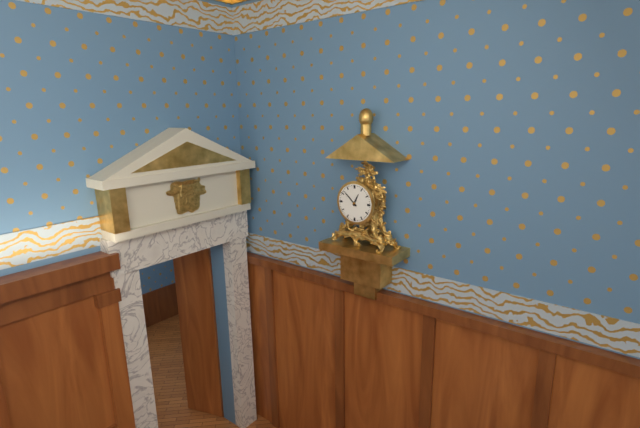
12:52
